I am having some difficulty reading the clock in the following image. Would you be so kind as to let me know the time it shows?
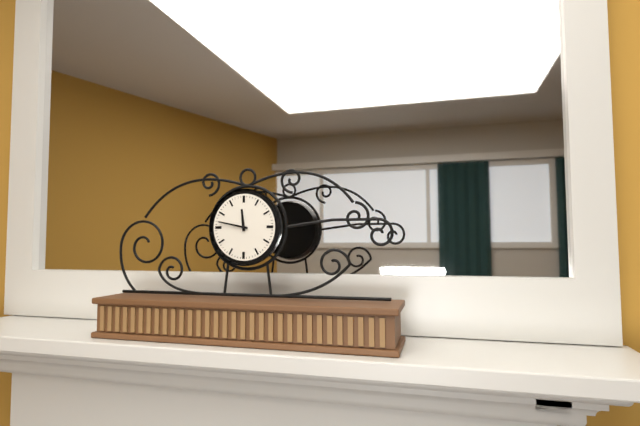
11:47
